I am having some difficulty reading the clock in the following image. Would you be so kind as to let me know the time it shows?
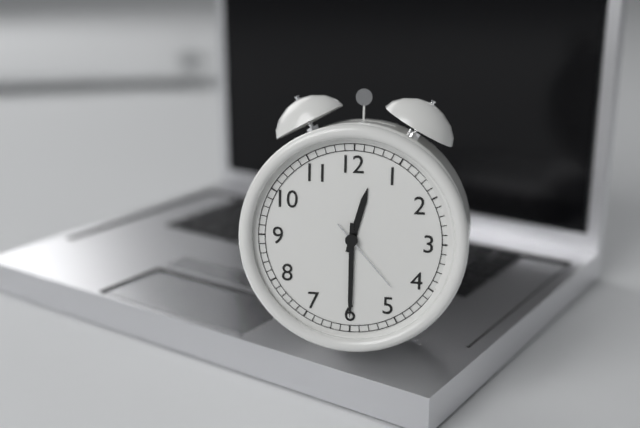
12:30:23
